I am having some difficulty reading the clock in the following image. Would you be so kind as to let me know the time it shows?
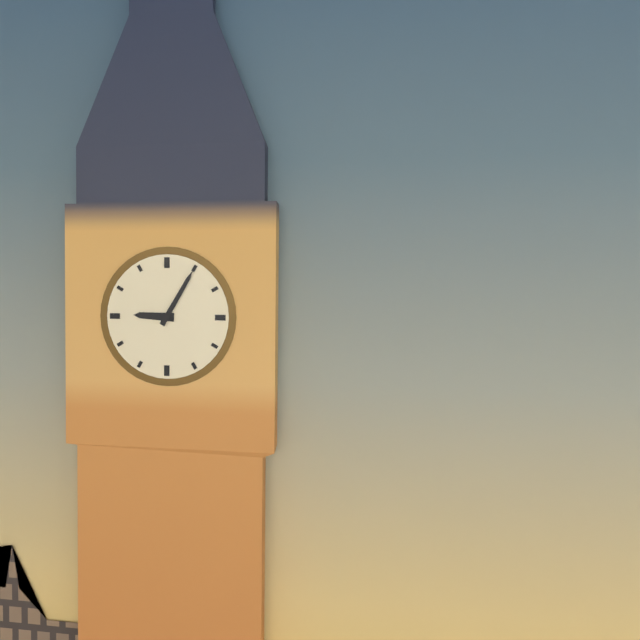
9:05
